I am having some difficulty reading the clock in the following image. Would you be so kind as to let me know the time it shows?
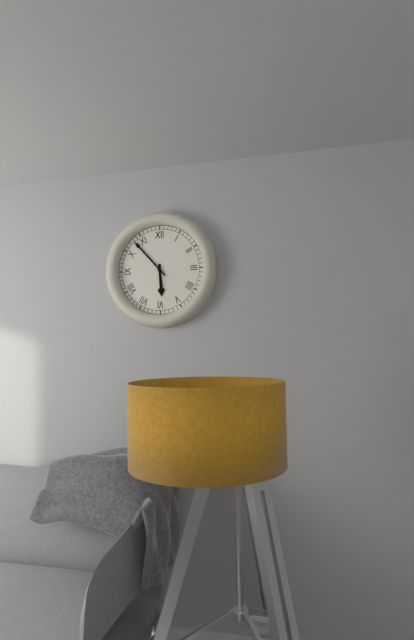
5:53
